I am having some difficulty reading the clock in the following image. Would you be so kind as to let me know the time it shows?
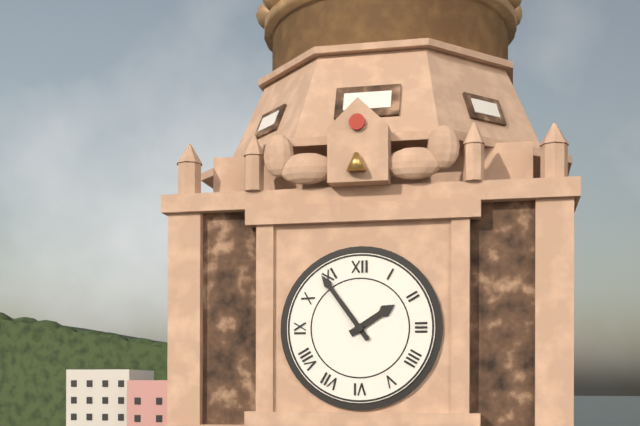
1:54
